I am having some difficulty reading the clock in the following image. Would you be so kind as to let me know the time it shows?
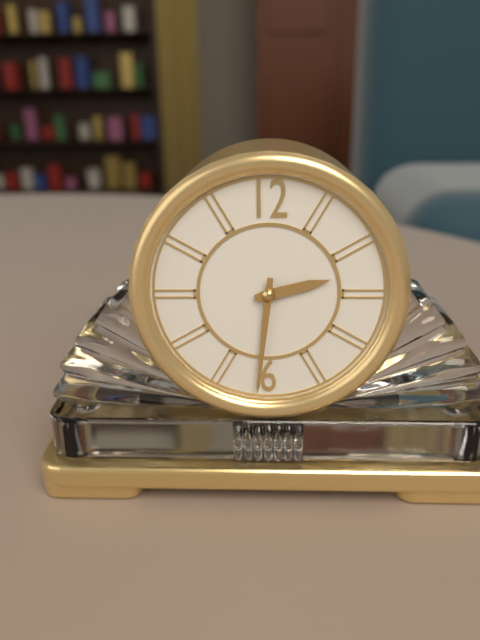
2:31
